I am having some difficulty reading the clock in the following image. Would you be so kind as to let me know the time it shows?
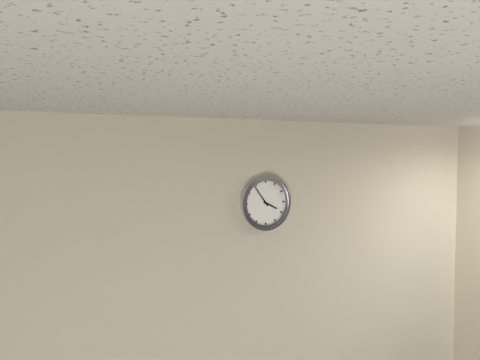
3:54
